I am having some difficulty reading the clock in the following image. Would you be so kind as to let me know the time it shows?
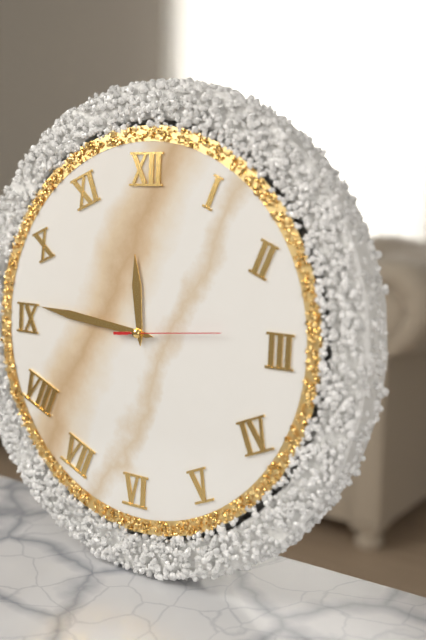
11:46:14
